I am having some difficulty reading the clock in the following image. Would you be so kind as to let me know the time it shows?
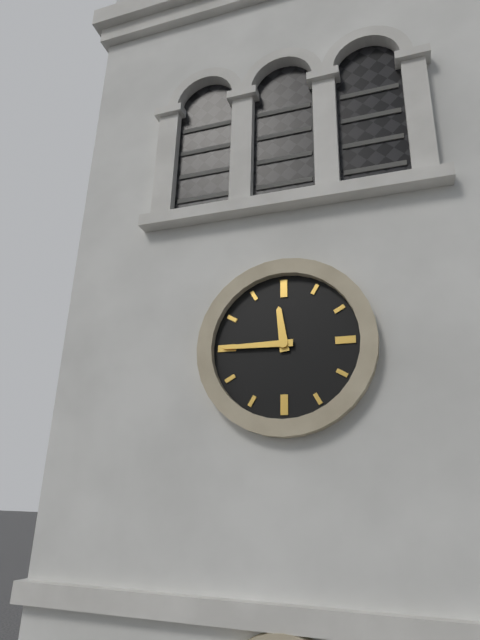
11:45
